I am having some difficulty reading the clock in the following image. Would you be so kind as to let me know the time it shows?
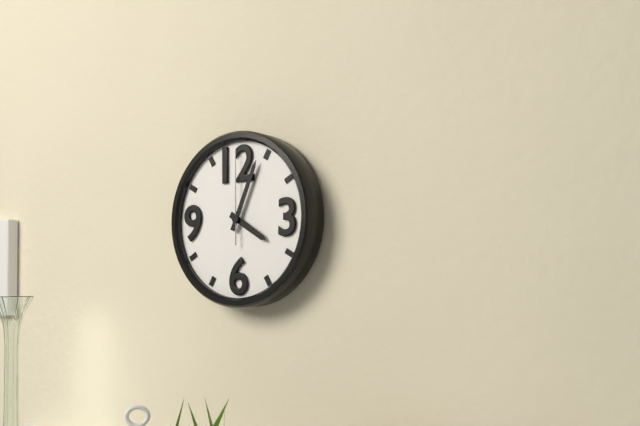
4:04:00
